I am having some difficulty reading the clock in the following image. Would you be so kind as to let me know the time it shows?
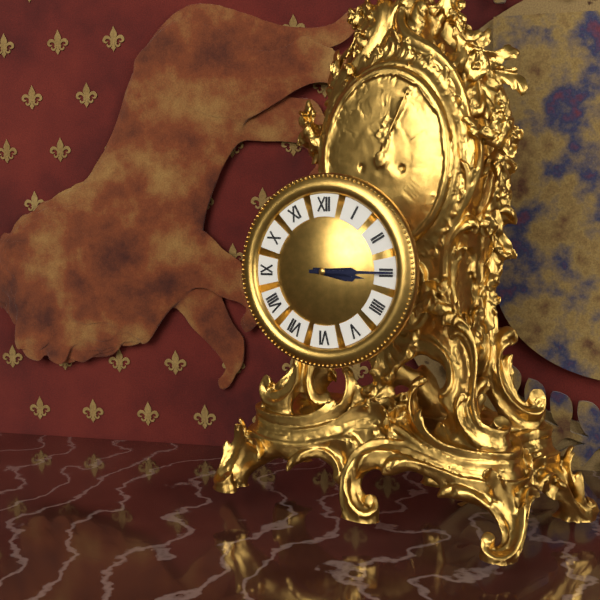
3:15
